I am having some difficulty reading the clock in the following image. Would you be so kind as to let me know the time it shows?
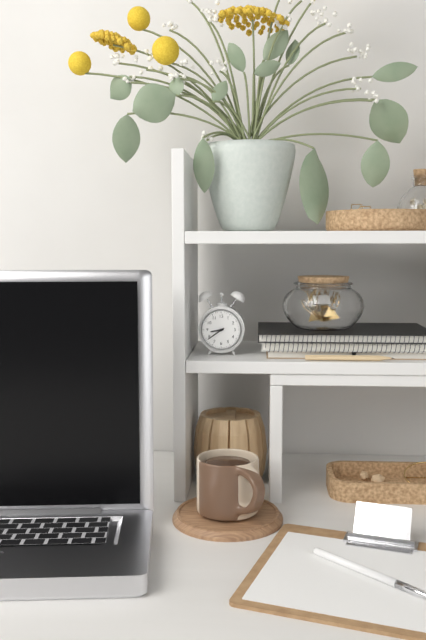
8:39
